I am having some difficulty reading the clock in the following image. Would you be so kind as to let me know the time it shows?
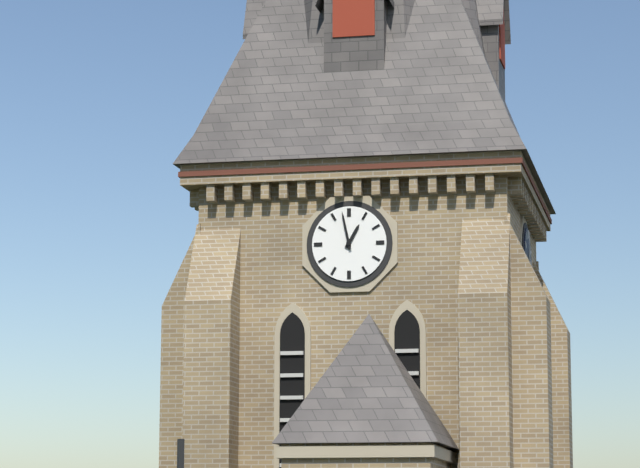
12:58
